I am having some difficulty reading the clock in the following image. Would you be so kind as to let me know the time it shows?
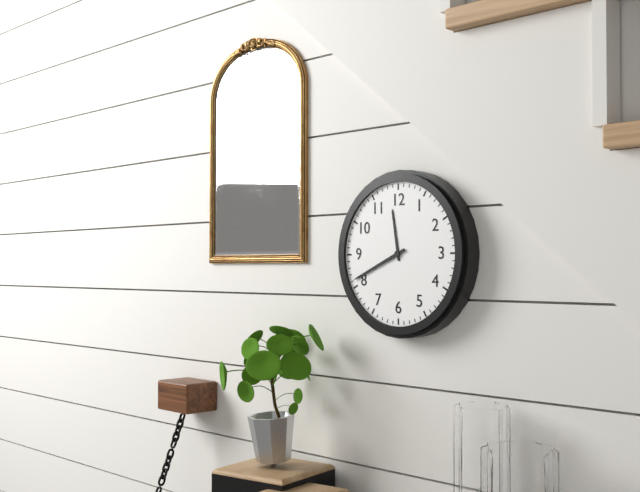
11:41
